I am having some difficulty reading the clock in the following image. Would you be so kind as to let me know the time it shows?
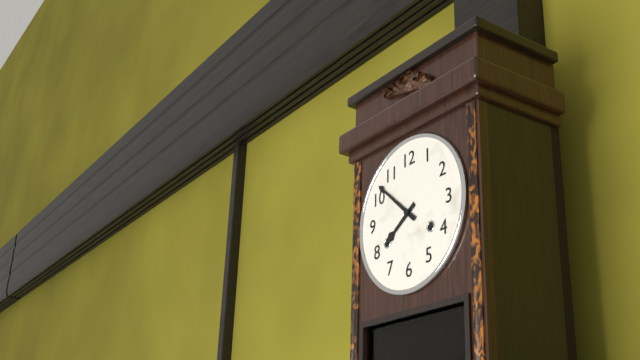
7:52
